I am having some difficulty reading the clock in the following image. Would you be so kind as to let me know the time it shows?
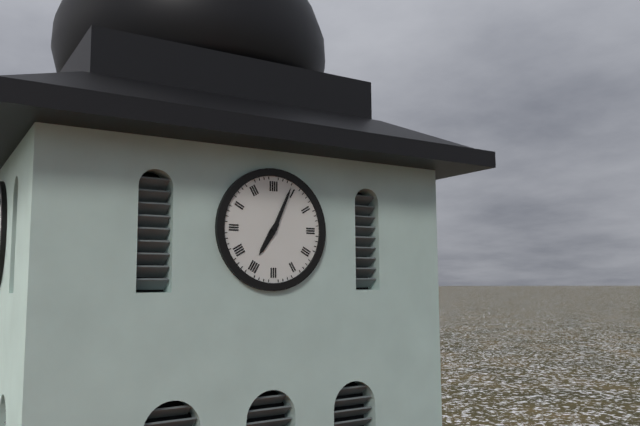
7:04
